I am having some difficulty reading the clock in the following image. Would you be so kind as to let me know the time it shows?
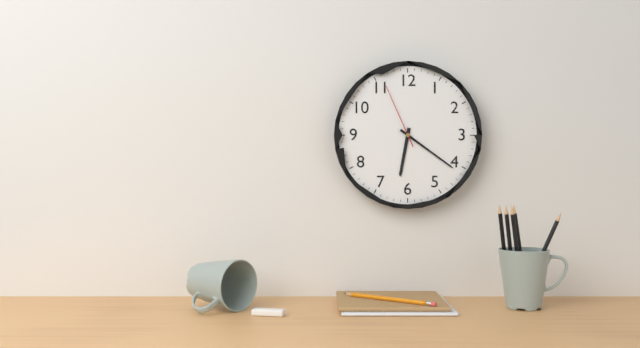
6:21:56
